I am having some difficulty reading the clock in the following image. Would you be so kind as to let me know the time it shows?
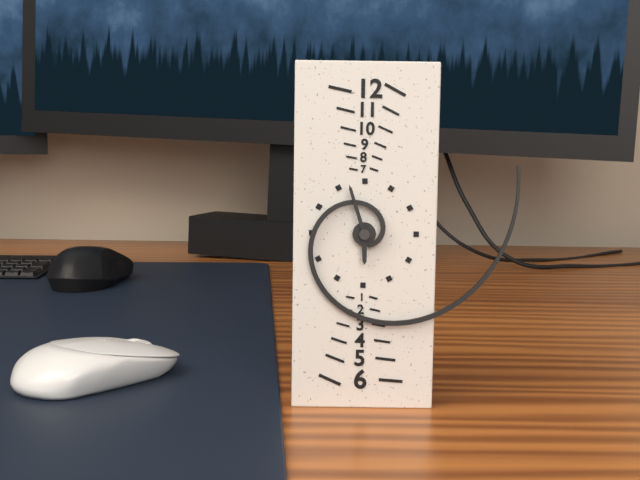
5:57
